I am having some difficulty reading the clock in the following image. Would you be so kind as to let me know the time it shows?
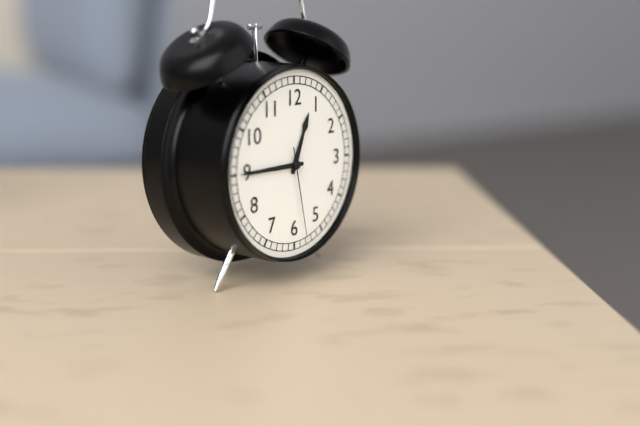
12:45:28
